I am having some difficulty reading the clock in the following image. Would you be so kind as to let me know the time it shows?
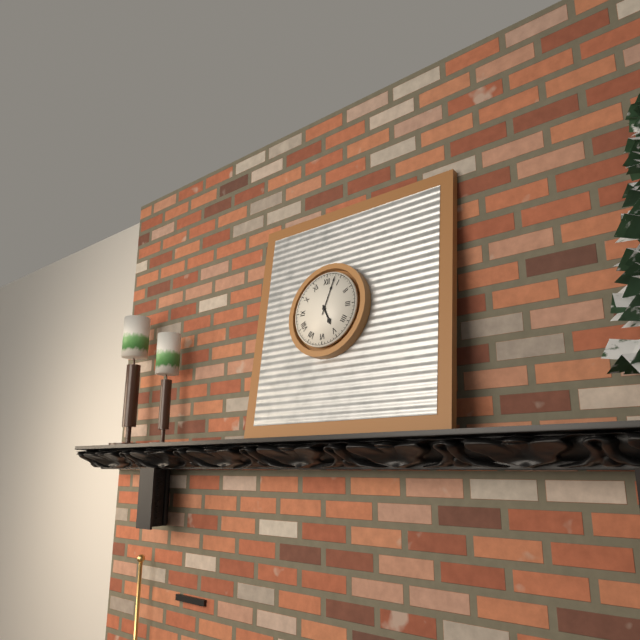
5:03
